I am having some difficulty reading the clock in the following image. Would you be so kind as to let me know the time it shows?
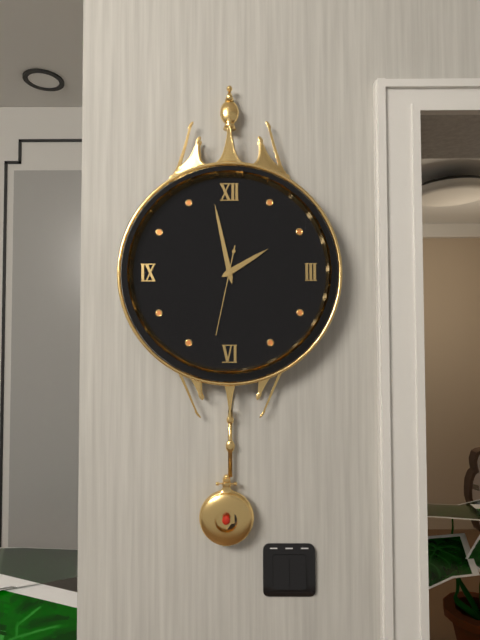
1:58:32
